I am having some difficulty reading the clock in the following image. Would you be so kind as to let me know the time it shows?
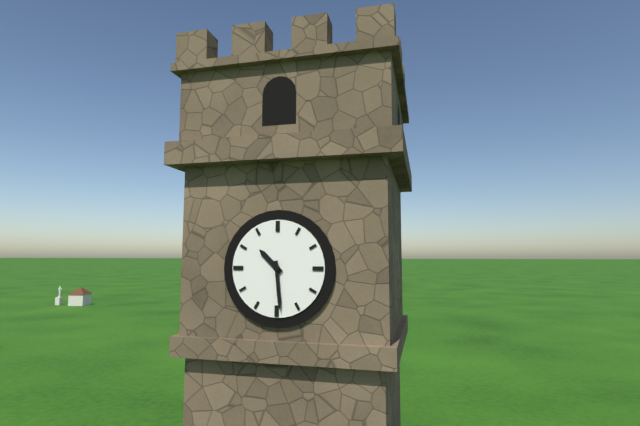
10:29
